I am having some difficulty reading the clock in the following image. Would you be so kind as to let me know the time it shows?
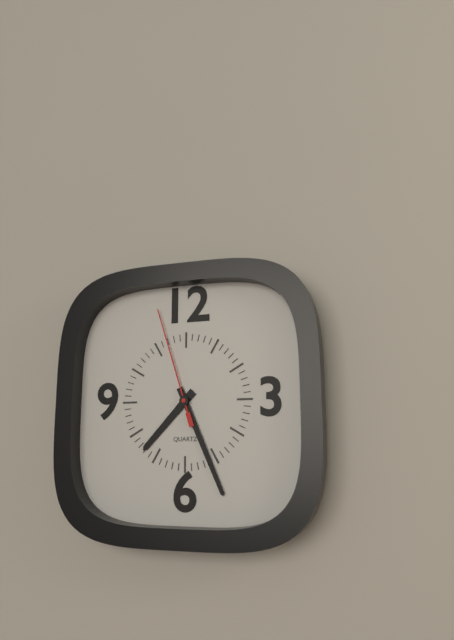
7:26:57
